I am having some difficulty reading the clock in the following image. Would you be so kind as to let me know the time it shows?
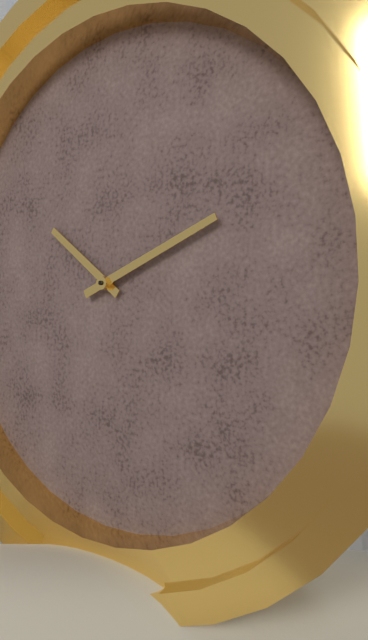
10:11
